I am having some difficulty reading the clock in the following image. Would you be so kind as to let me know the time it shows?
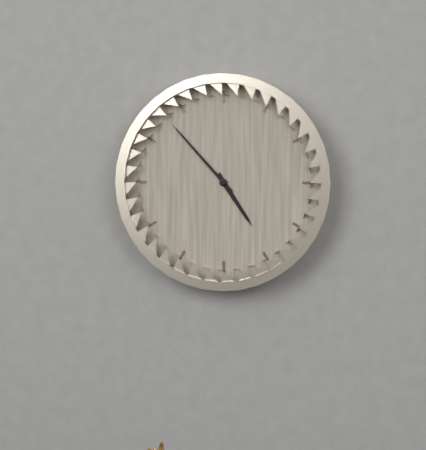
4:53
